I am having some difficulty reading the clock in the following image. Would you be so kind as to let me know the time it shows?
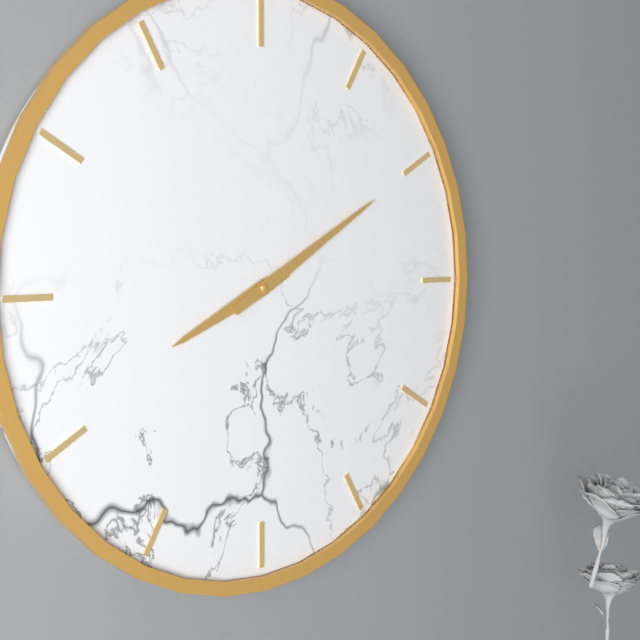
8:10
